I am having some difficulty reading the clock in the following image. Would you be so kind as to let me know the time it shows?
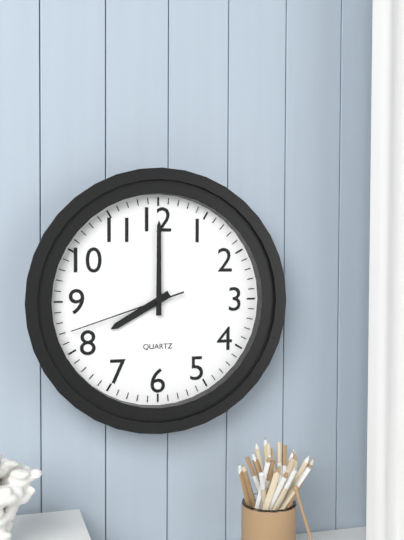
8:00:42
